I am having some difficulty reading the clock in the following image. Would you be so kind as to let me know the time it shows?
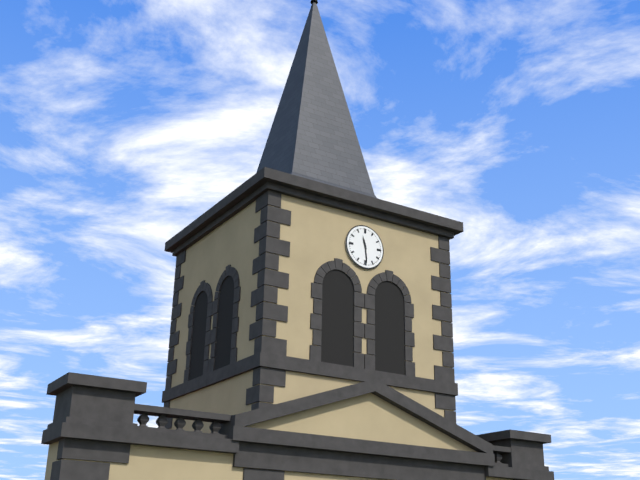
11:29
